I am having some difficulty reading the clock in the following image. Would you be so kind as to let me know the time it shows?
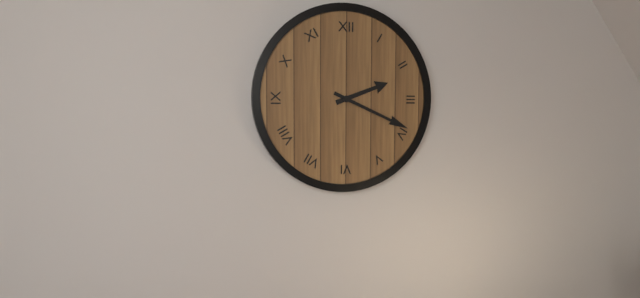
2:19
